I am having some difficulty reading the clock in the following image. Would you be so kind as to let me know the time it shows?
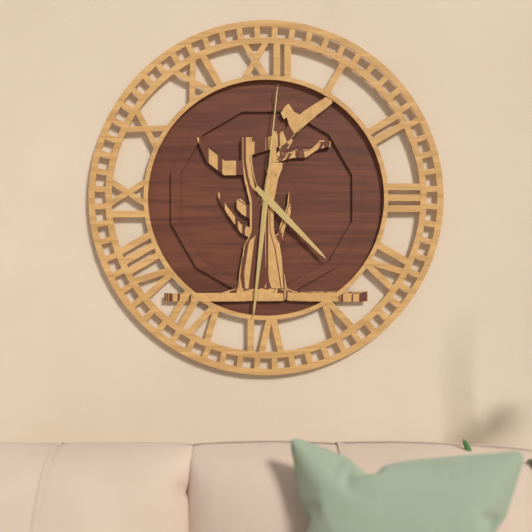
4:31:01
